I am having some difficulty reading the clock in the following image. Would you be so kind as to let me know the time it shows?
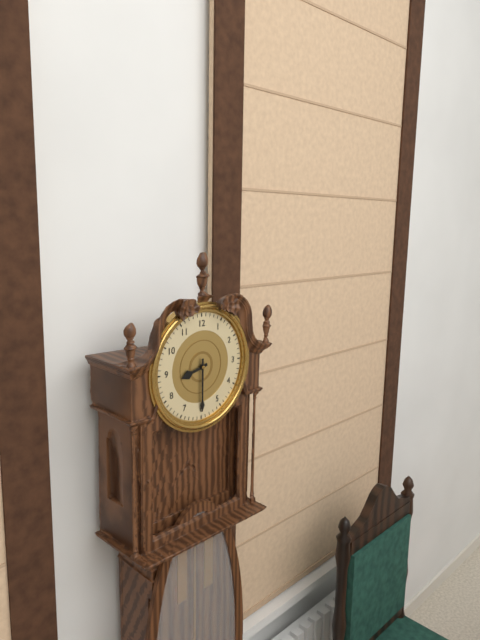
8:30
